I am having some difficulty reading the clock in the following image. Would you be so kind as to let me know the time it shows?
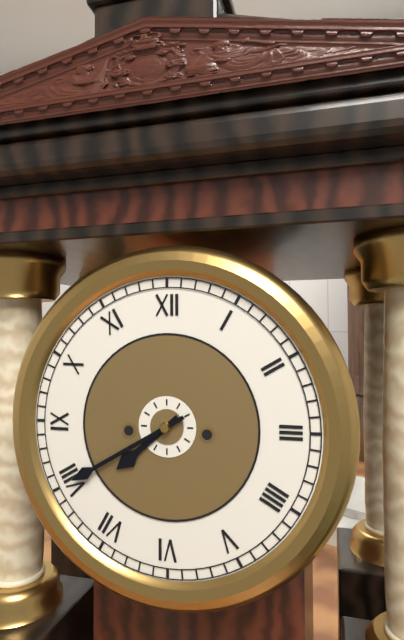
7:40
